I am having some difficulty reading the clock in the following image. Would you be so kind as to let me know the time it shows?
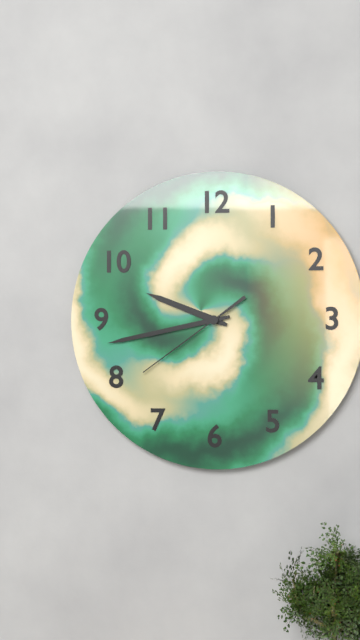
9:43:39
